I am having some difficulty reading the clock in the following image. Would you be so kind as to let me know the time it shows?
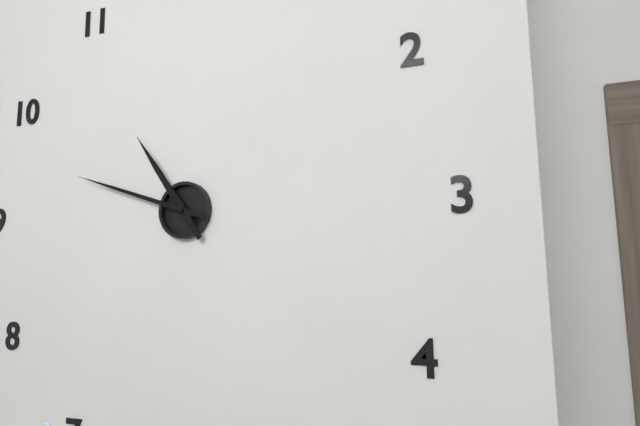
10:48
